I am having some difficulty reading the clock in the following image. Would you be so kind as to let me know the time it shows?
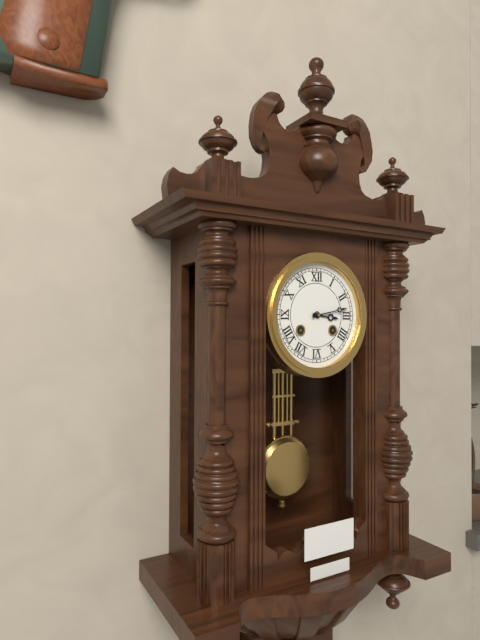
3:13
